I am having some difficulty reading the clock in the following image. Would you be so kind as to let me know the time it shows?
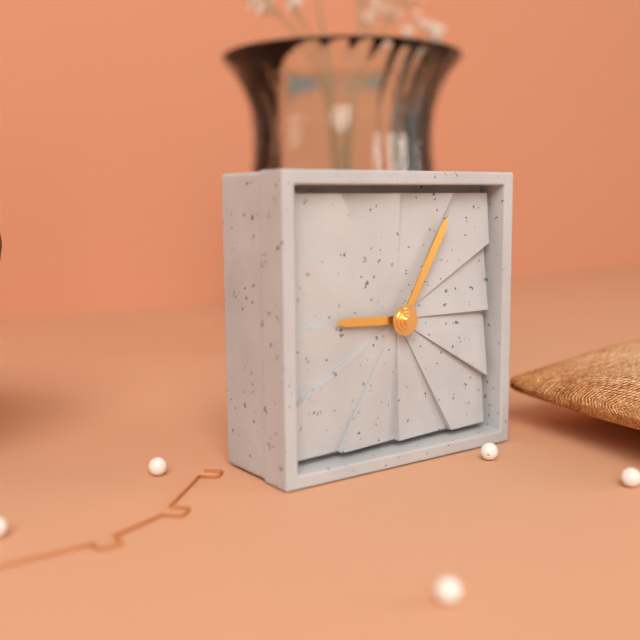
9:05
